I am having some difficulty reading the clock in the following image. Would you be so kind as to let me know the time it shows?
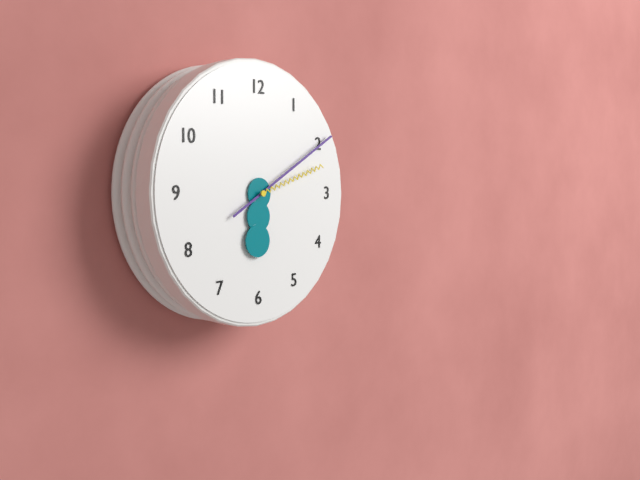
6:10:12
